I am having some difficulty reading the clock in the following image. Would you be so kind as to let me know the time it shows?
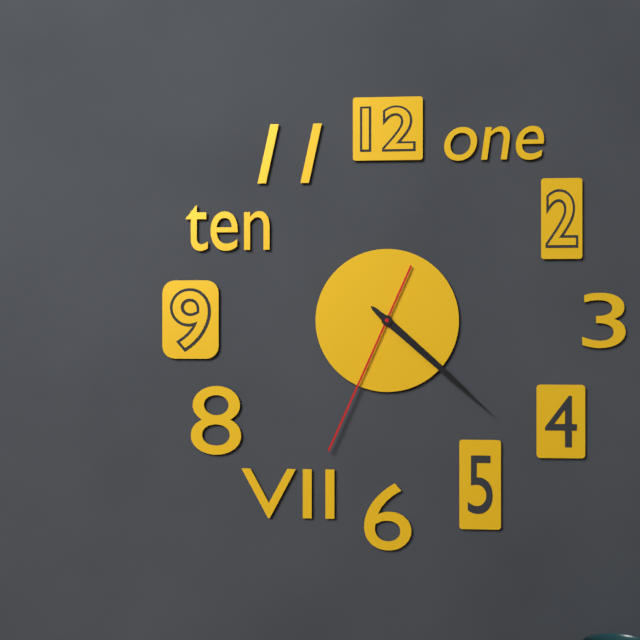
4:22:34
